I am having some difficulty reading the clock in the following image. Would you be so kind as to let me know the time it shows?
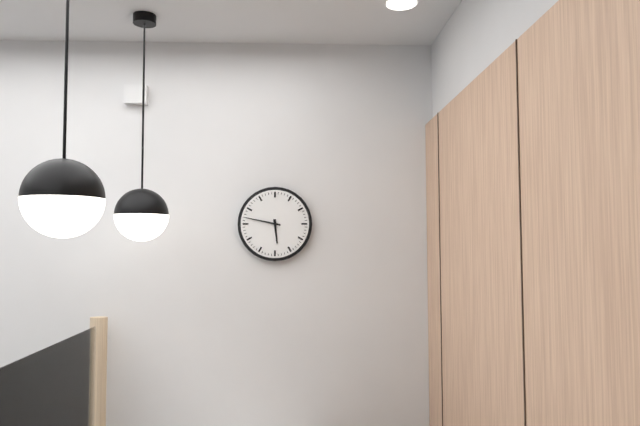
5:47
